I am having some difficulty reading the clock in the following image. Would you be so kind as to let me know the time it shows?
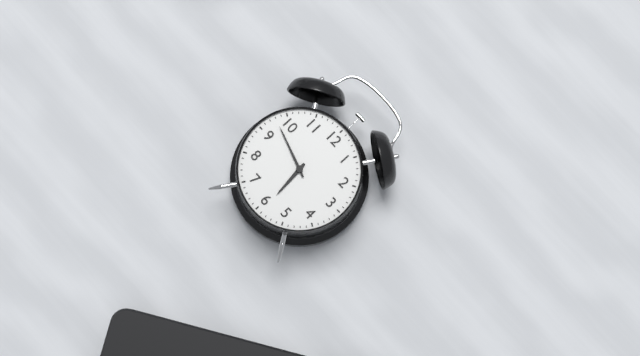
5:48
